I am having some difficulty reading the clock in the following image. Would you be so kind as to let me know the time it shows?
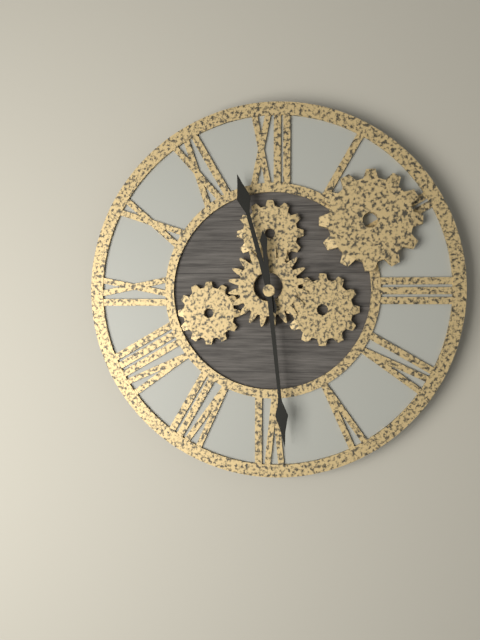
11:29
